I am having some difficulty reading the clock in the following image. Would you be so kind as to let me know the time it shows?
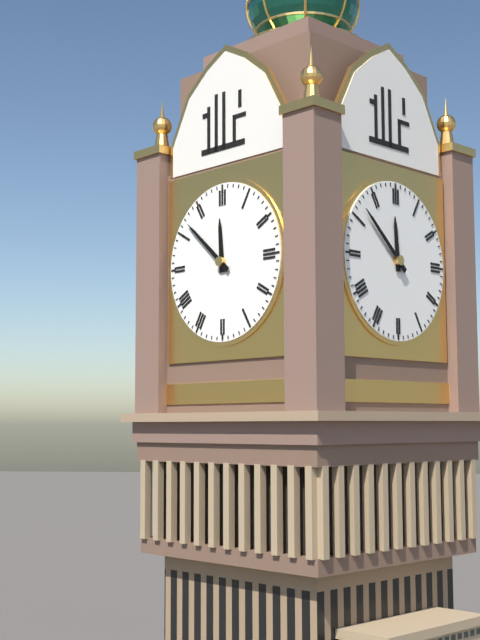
11:52
